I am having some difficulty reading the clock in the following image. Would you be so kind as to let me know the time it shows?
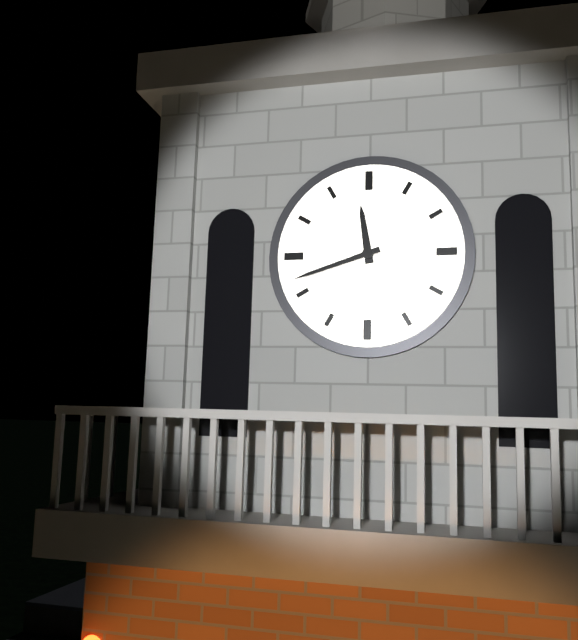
11:42
